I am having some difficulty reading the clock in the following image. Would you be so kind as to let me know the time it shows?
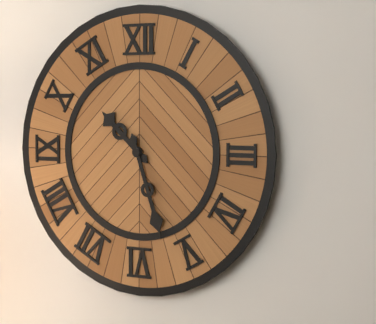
10:27
